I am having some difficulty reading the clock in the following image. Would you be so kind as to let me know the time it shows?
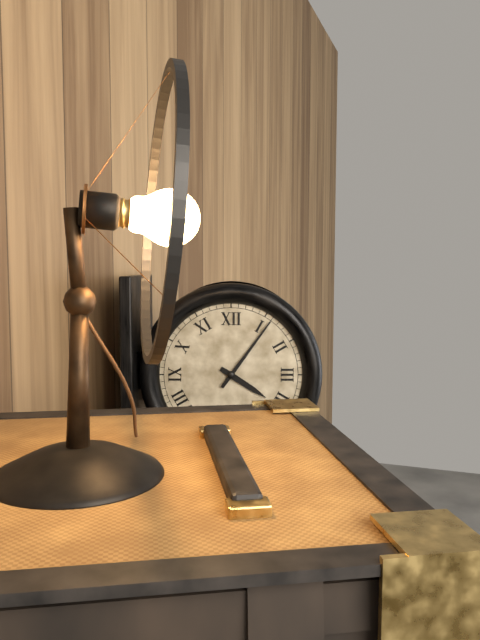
4:06
